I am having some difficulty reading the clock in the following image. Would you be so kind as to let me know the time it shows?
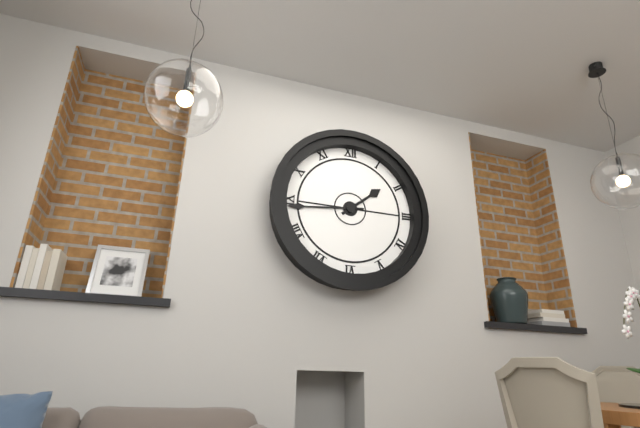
1:44
